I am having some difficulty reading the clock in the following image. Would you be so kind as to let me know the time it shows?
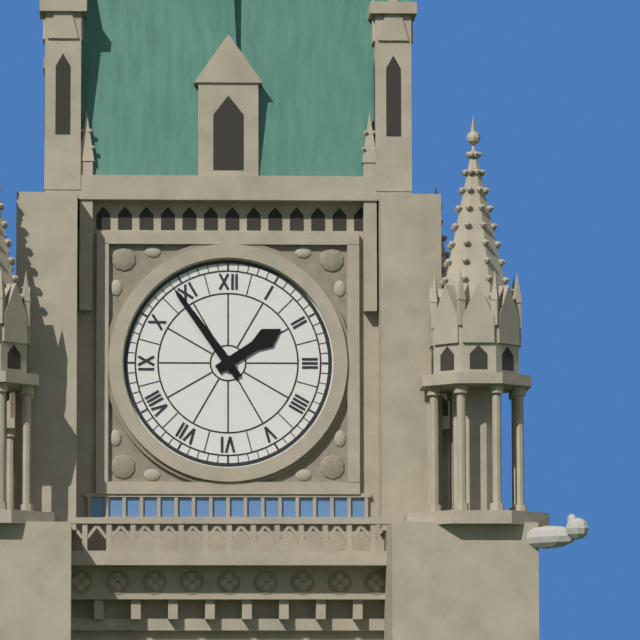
1:54
